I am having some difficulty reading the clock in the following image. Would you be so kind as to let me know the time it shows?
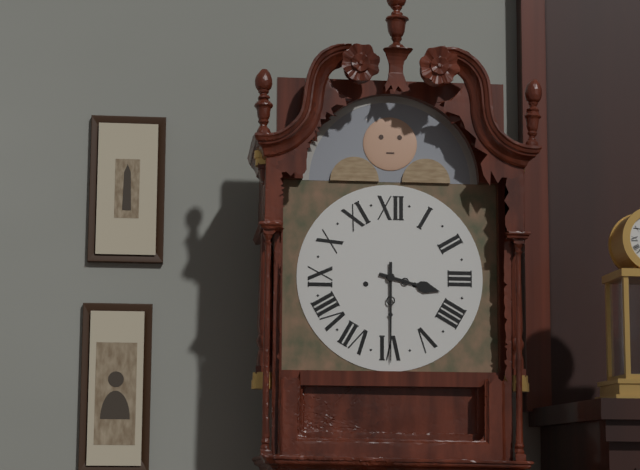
3:30
